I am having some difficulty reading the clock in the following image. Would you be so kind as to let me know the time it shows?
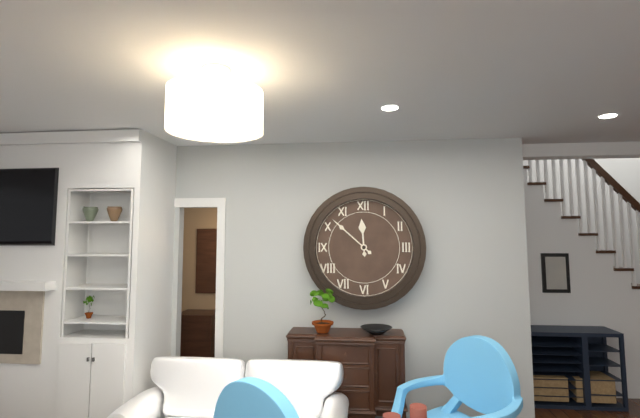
11:52
